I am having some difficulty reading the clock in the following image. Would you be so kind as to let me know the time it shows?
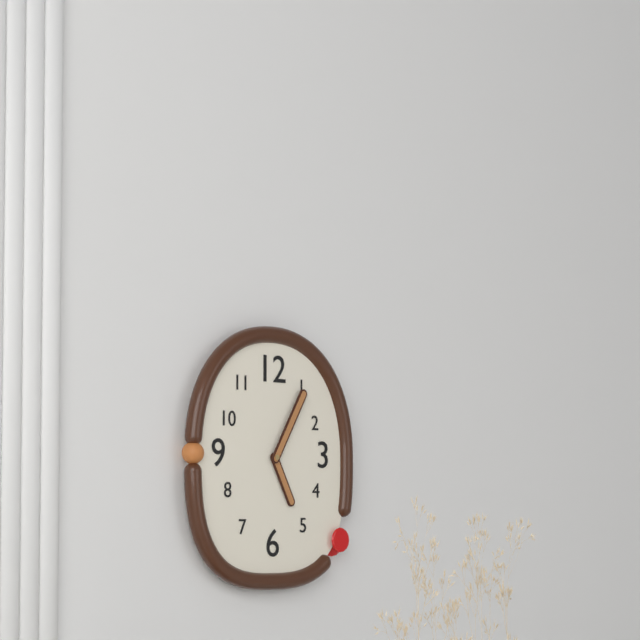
5:05
